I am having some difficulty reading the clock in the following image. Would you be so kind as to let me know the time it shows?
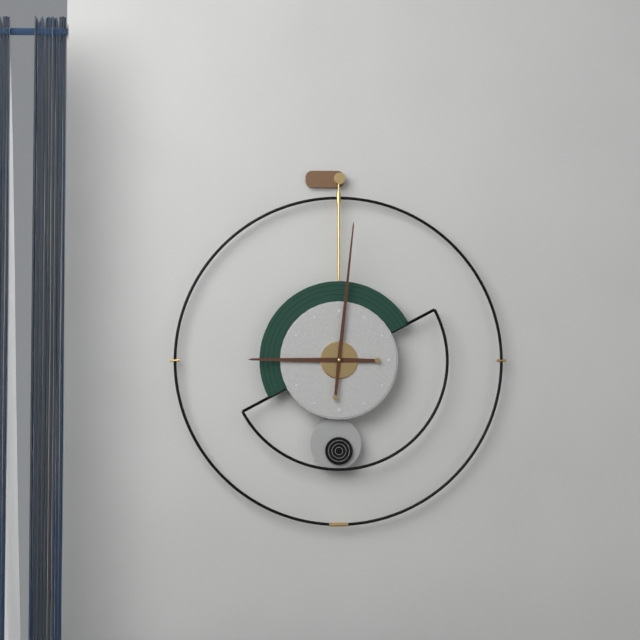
9:01
